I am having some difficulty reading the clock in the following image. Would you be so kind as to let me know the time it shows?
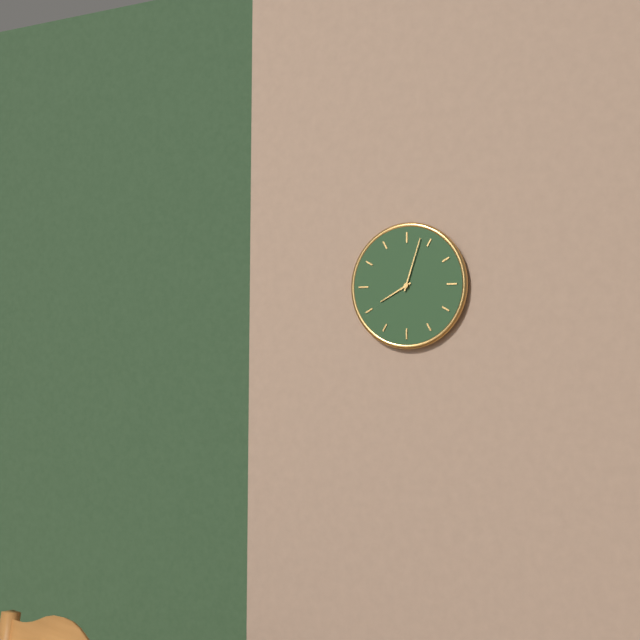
8:03
